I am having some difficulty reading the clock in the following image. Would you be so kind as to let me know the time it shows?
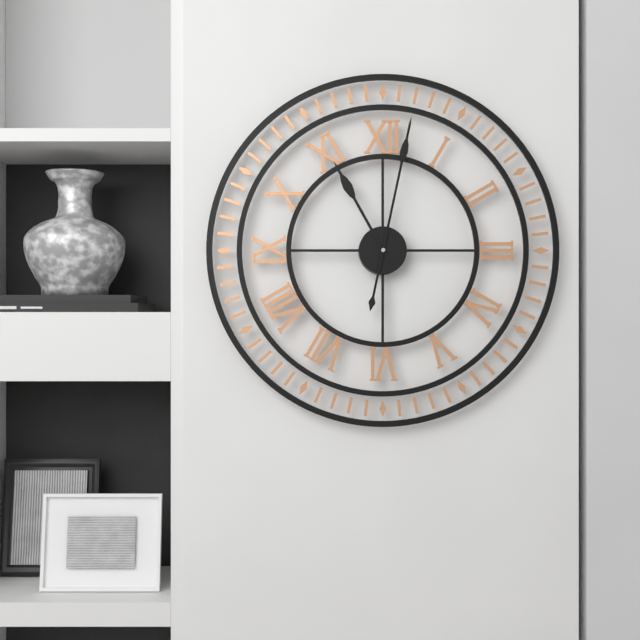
11:02
